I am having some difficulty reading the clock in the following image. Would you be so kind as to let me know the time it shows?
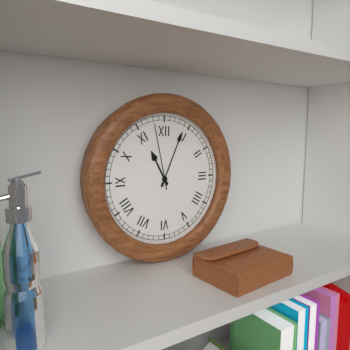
11:04:58
